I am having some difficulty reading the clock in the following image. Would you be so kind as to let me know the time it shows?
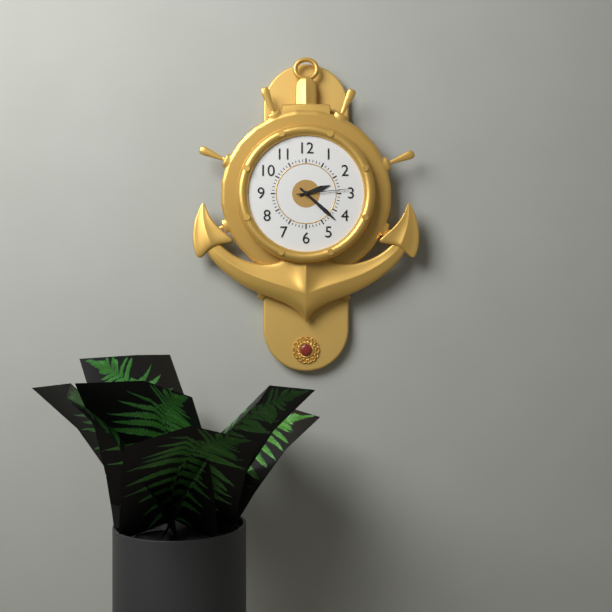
2:22:14
